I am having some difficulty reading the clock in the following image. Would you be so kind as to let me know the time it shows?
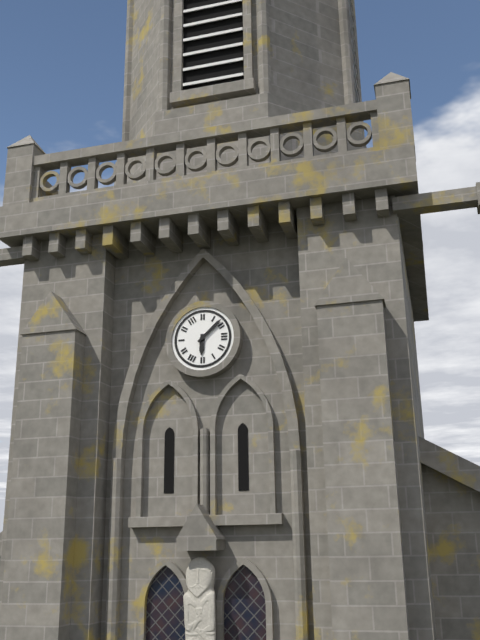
6:08
